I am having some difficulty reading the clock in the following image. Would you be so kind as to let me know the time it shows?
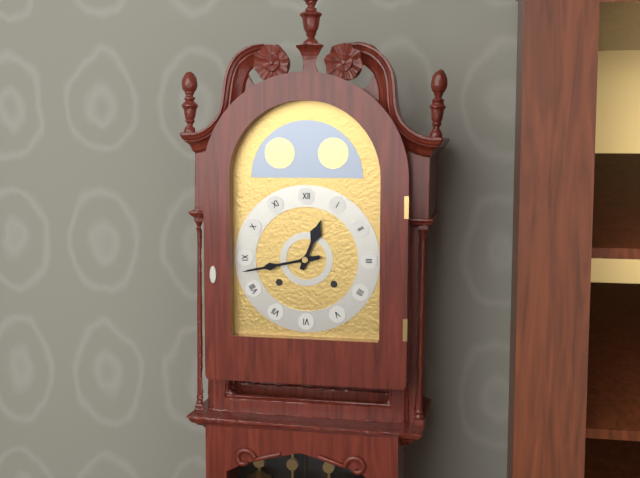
12:43
